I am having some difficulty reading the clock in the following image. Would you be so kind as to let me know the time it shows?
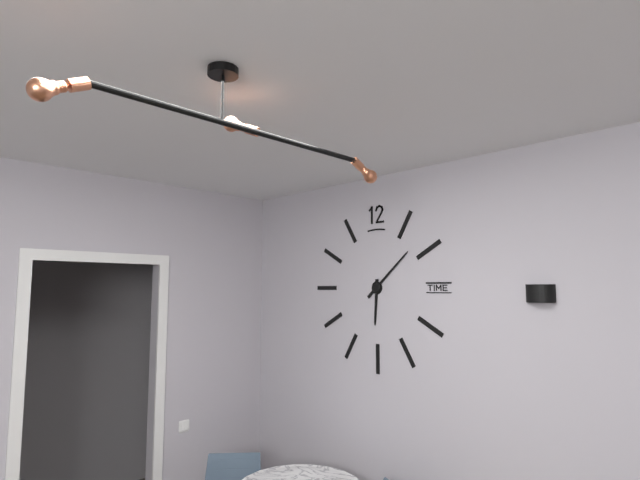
6:08
